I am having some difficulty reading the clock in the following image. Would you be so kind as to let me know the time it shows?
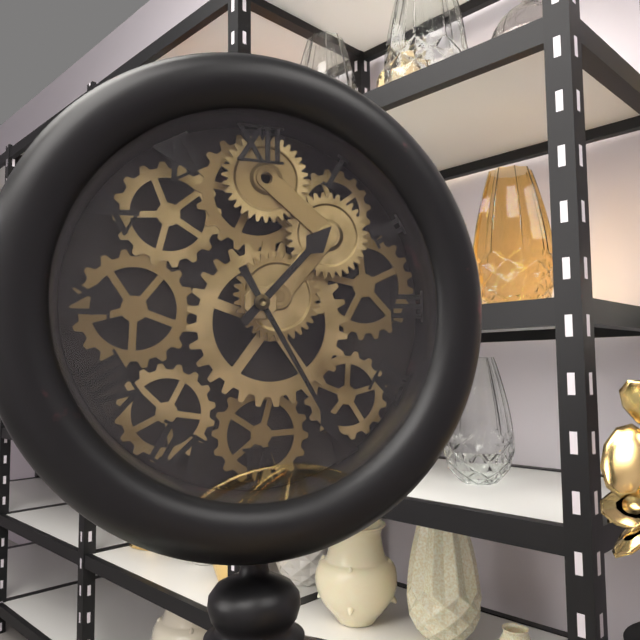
1:25
